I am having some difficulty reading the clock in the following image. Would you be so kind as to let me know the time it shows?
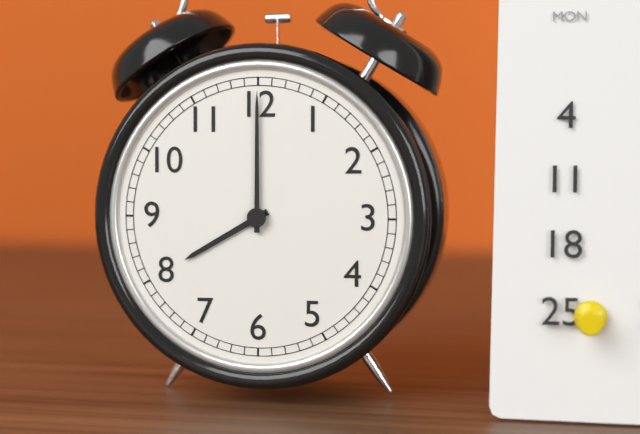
8:00
